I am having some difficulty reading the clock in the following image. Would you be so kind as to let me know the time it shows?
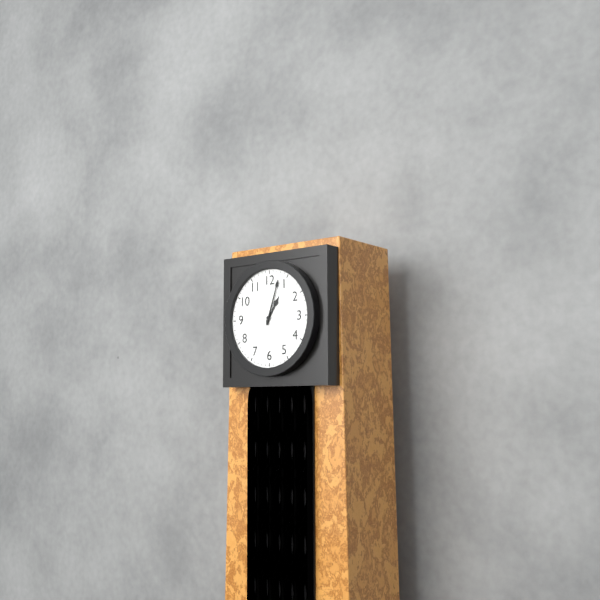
1:03
